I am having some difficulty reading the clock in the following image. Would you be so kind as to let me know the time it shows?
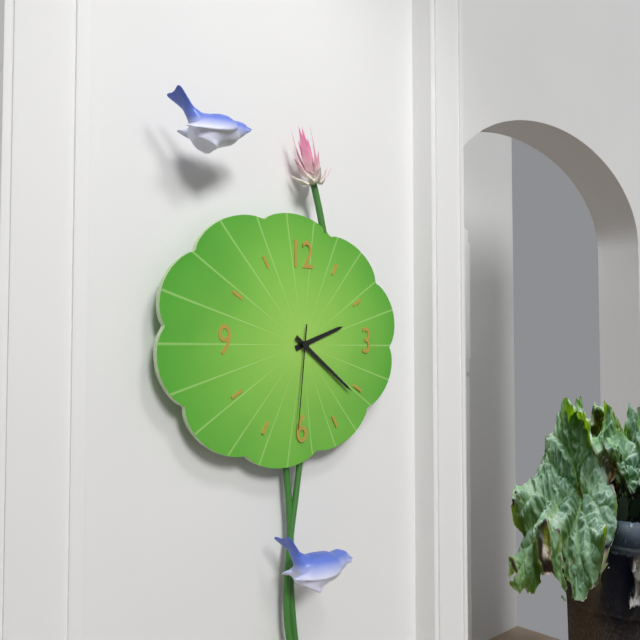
2:21:31
